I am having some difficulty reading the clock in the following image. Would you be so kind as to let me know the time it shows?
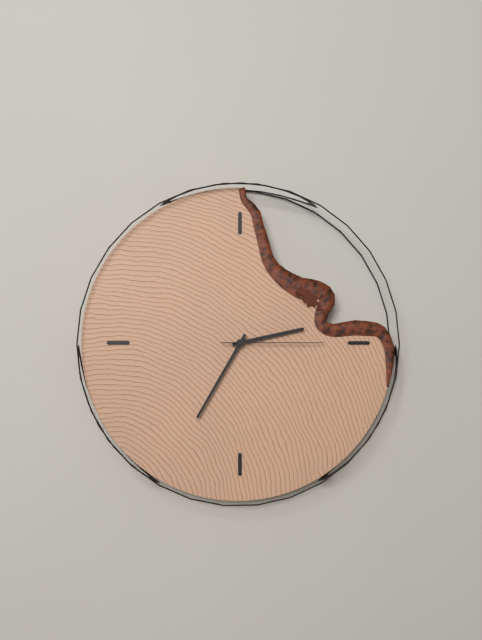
2:35:15
